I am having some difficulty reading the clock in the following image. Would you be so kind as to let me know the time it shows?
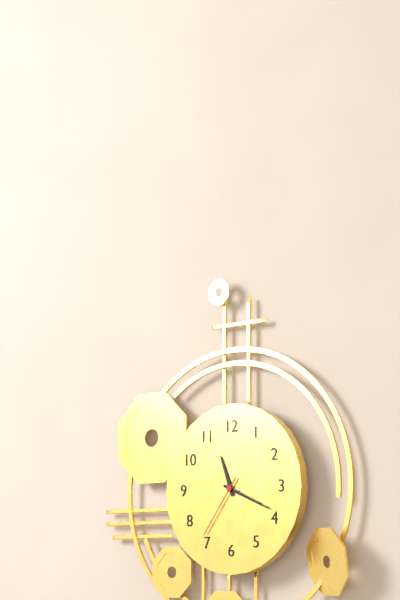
11:19:36
